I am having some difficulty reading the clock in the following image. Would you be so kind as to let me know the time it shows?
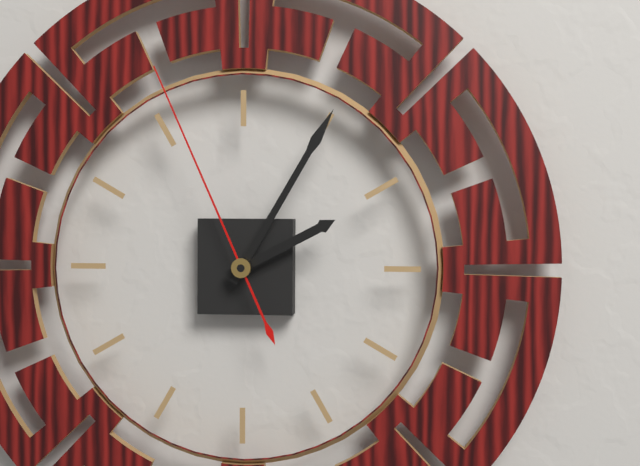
2:05:56
